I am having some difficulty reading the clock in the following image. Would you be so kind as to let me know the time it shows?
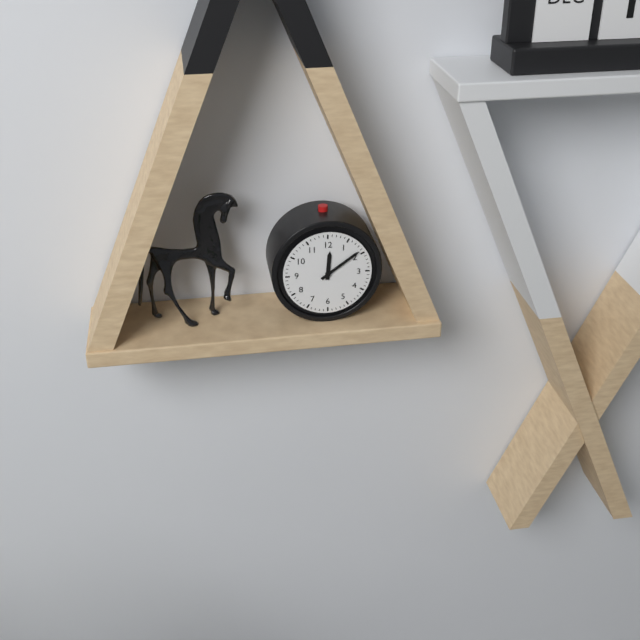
12:09
